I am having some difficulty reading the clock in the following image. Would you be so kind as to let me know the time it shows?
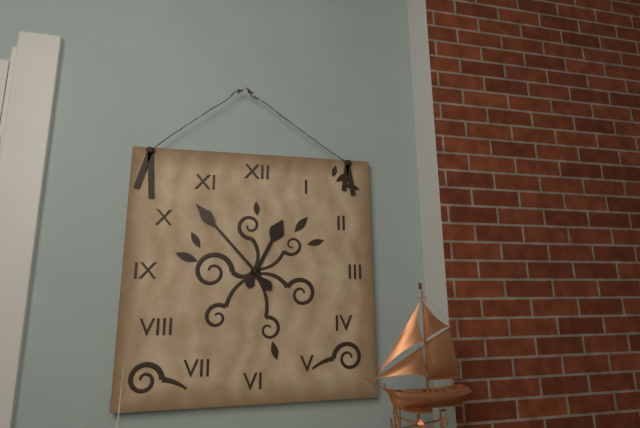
12:53
